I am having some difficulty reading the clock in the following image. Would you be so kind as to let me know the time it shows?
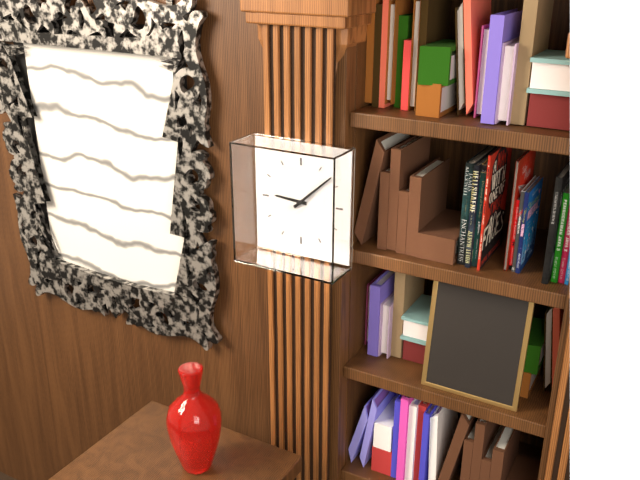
9:08
